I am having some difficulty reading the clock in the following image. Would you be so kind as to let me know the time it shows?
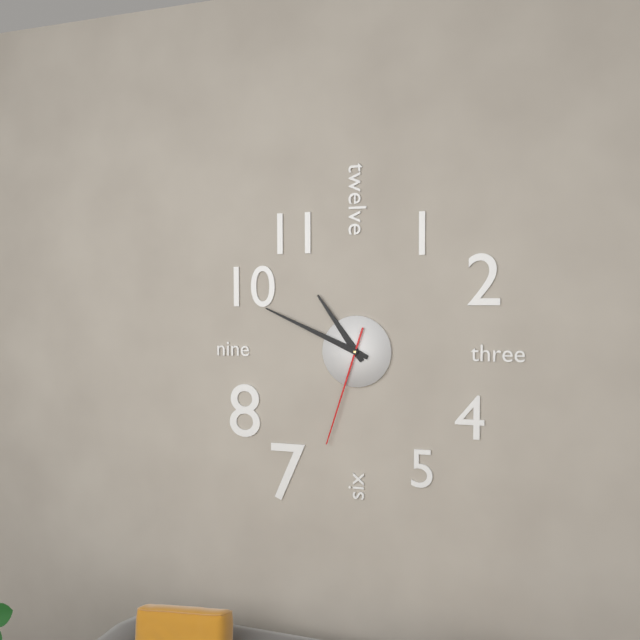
10:49:33
